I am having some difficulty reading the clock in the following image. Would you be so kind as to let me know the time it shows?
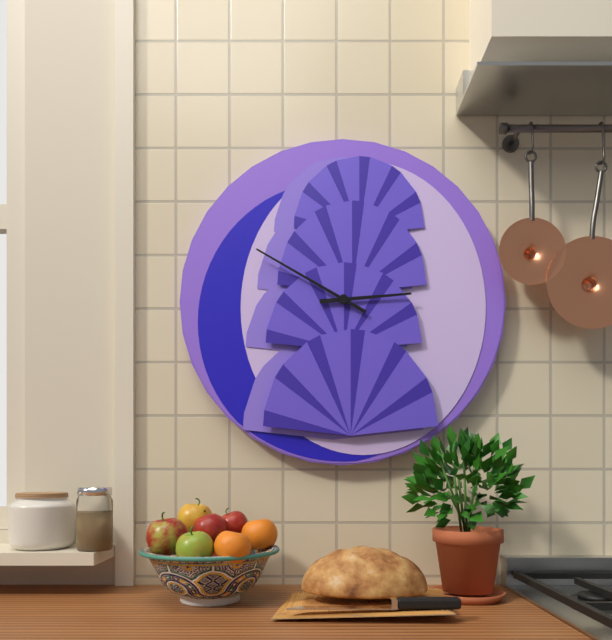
2:50
